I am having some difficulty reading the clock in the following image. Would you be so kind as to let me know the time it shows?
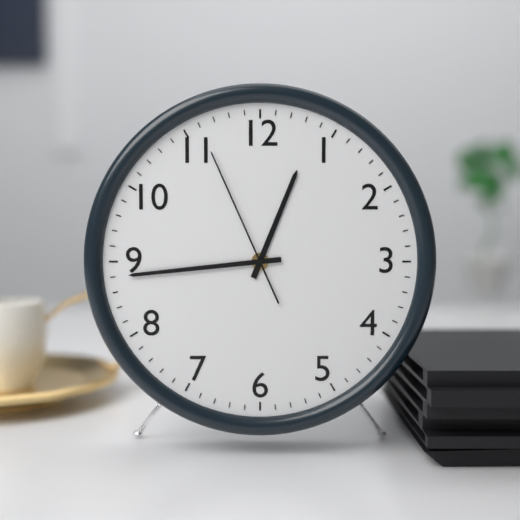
12:44:56
